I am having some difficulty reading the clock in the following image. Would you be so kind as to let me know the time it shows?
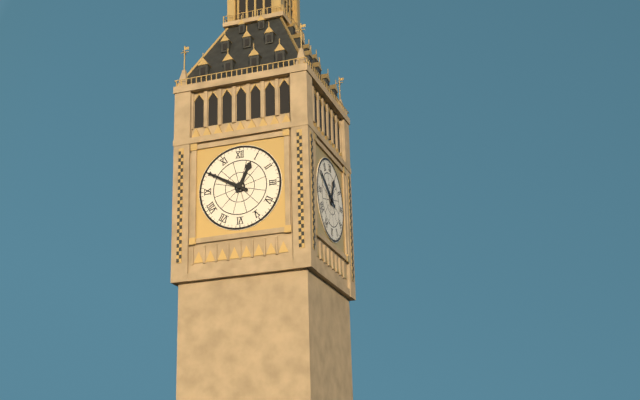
12:50
